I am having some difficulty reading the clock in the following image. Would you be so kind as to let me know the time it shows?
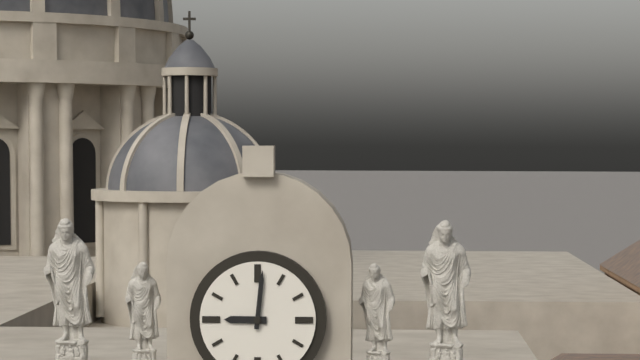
9:01
